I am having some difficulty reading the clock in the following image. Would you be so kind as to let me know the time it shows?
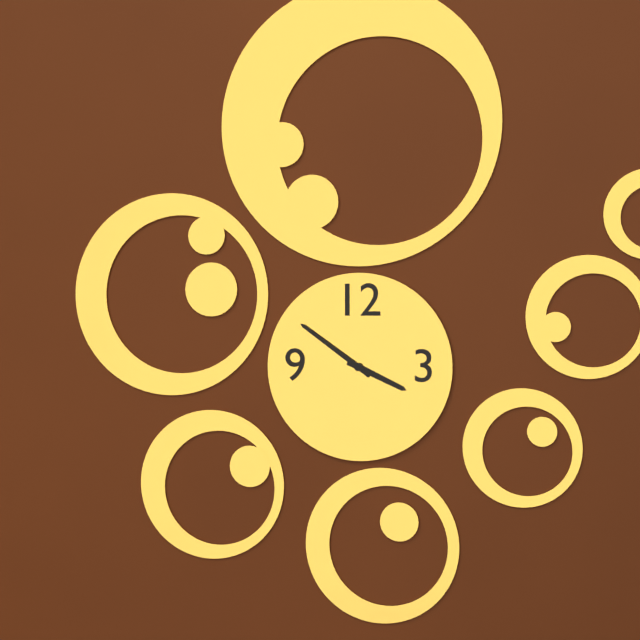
3:51
